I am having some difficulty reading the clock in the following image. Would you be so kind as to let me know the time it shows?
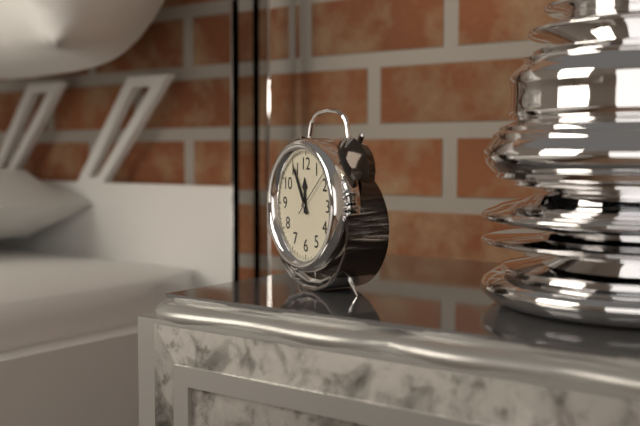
11:55
